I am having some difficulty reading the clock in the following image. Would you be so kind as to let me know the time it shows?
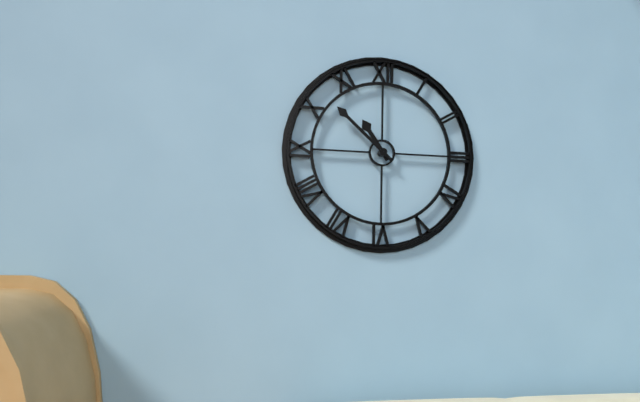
10:52
